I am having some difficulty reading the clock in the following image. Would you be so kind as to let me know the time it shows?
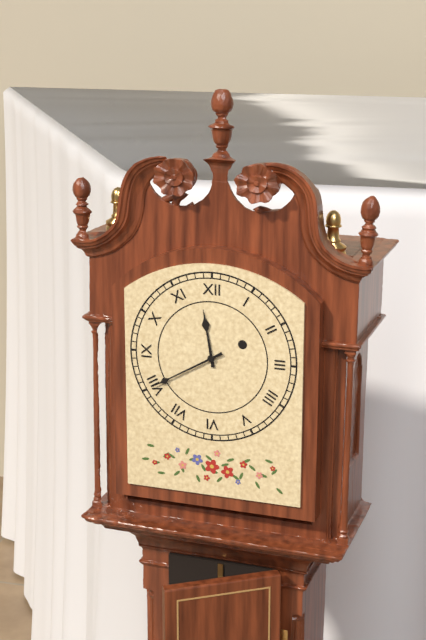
11:40
